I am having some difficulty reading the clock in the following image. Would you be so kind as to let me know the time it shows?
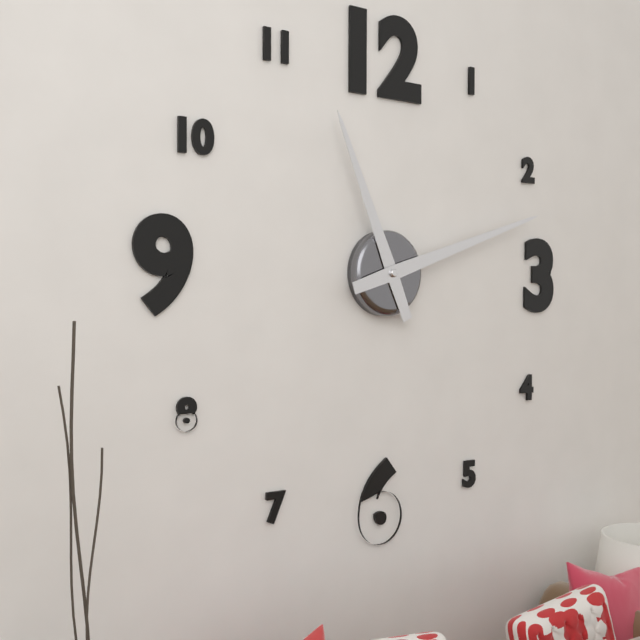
11:12
